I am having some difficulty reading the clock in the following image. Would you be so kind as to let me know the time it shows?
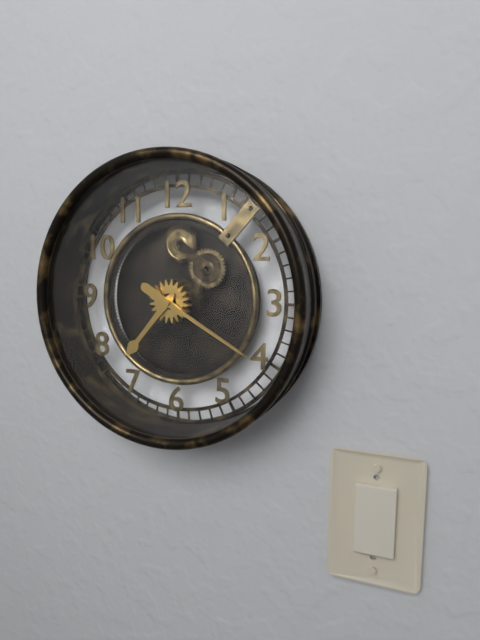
7:20
